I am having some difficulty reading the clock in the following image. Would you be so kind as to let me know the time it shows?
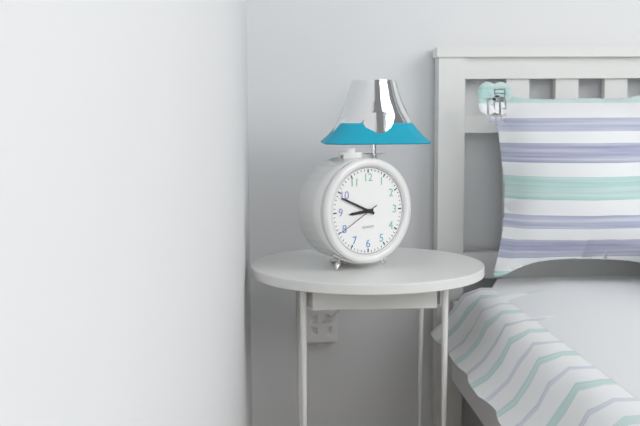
8:49
